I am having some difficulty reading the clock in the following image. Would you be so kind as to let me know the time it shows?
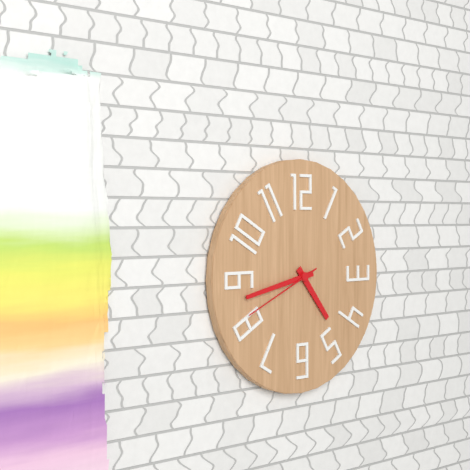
4:43:41
